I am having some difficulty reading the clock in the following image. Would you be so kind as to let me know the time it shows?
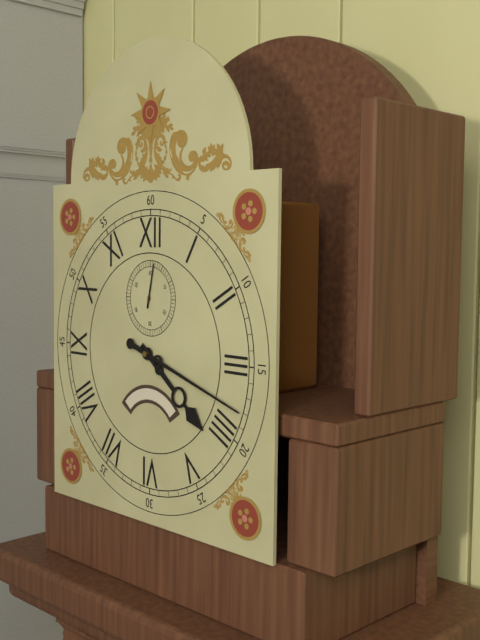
4:18
